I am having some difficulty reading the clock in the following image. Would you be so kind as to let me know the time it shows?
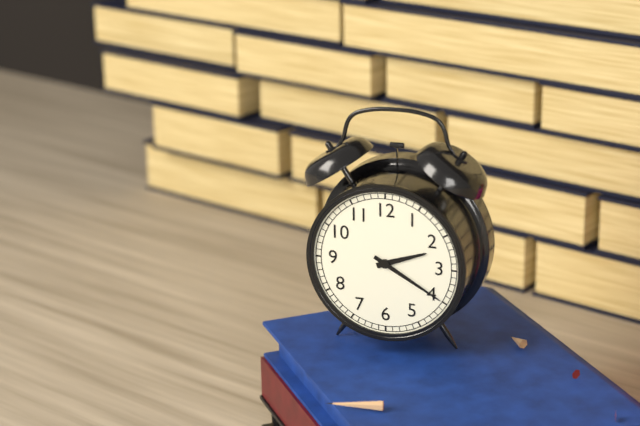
2:20
